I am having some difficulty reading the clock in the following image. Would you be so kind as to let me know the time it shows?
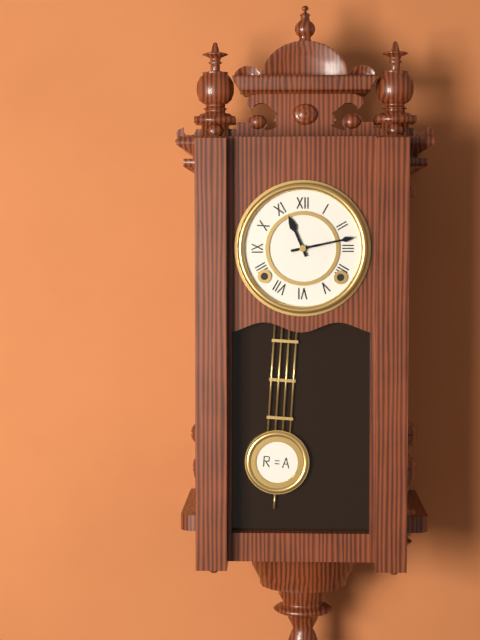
11:13
